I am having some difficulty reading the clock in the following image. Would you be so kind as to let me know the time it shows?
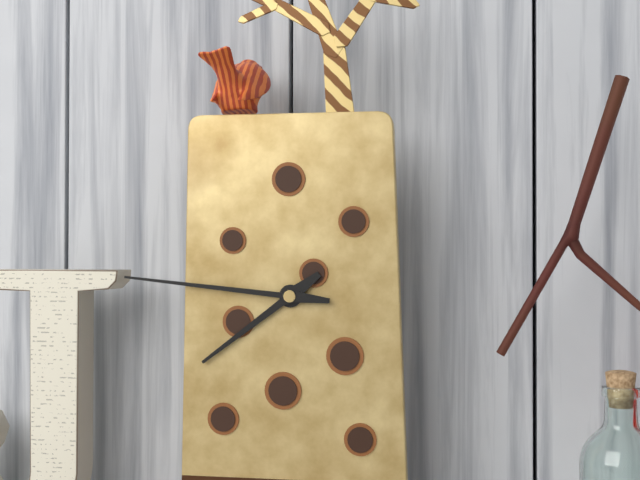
7:46
